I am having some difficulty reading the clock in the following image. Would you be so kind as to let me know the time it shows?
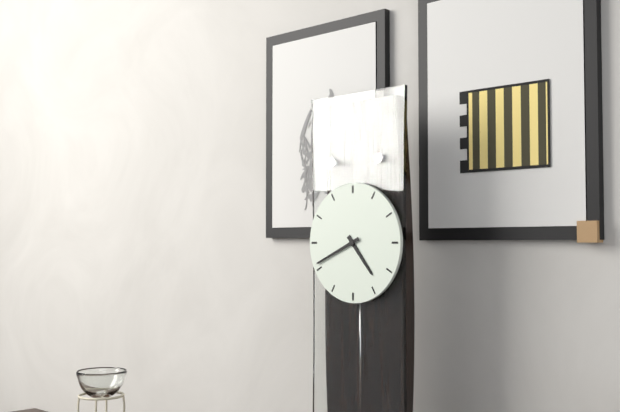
4:41
